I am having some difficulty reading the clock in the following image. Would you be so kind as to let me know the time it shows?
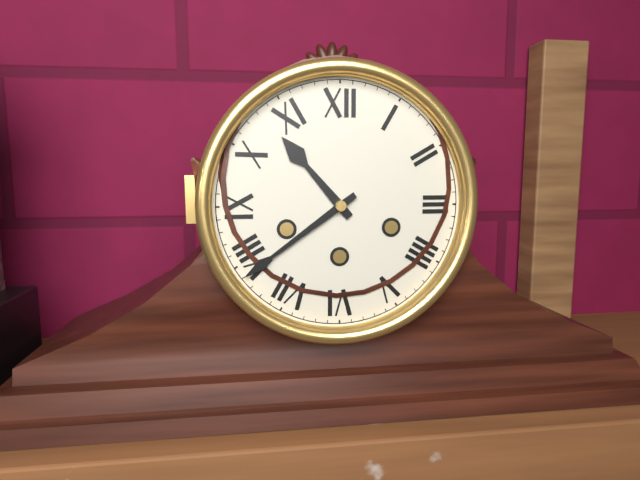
10:39
